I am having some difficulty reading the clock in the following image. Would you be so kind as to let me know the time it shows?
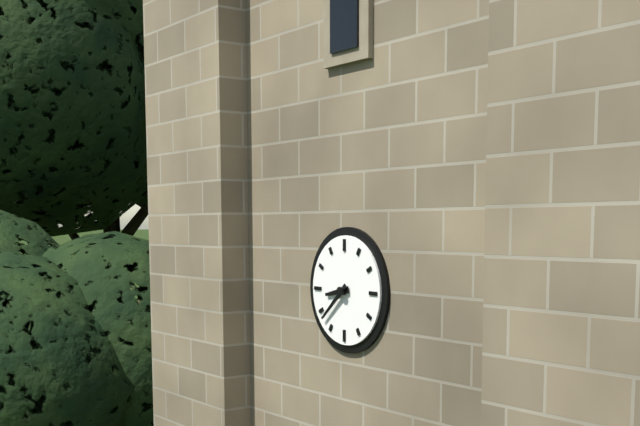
8:38
